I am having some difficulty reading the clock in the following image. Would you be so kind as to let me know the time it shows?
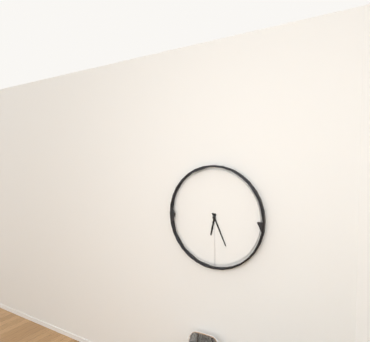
6:26
